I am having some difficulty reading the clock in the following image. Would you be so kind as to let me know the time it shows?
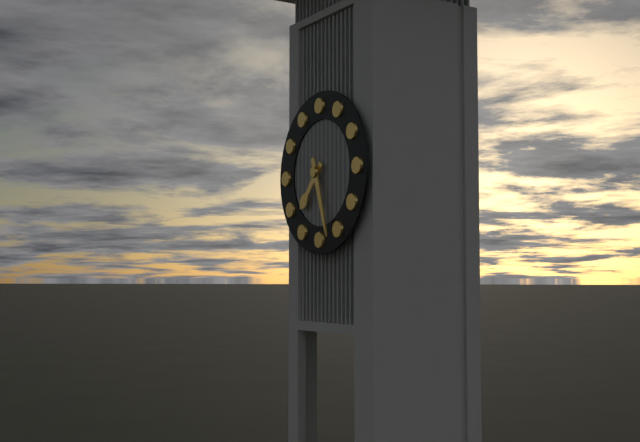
7:27
